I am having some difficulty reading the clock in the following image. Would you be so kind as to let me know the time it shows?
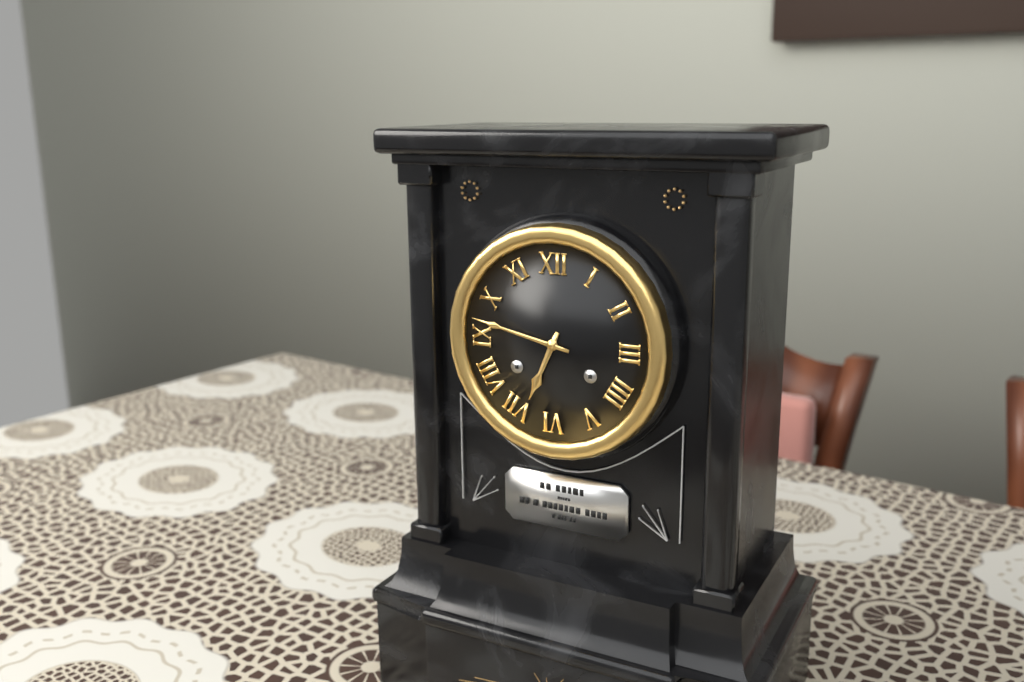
6:47
